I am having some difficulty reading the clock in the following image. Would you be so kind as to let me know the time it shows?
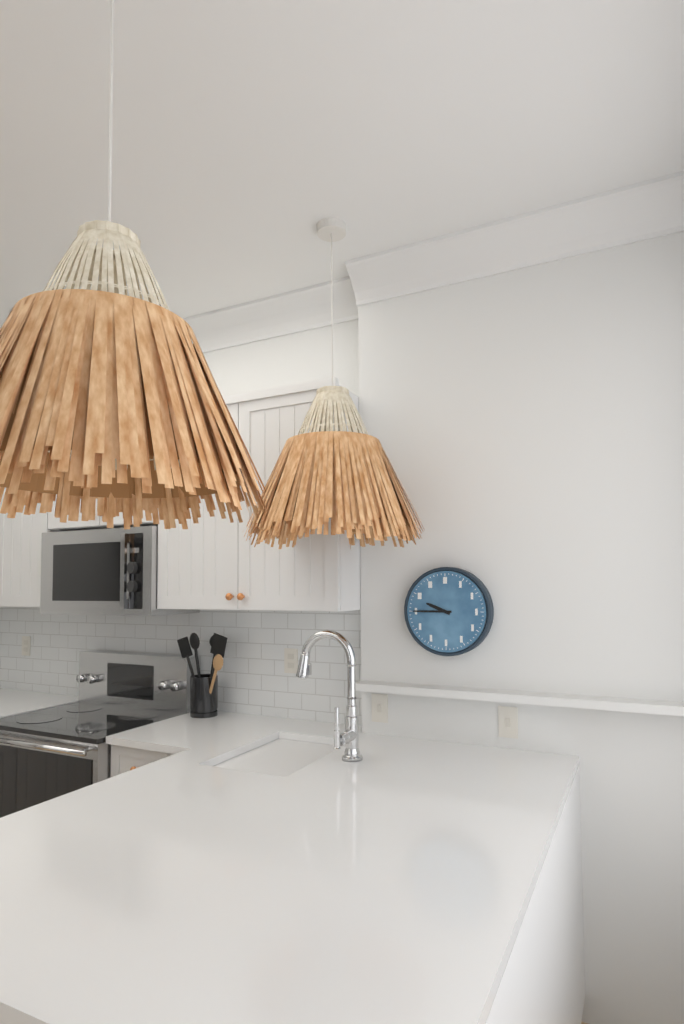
9:45
